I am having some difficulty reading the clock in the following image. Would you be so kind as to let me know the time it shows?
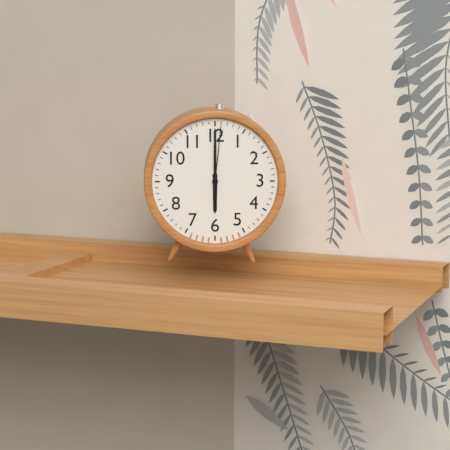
6:00:01
